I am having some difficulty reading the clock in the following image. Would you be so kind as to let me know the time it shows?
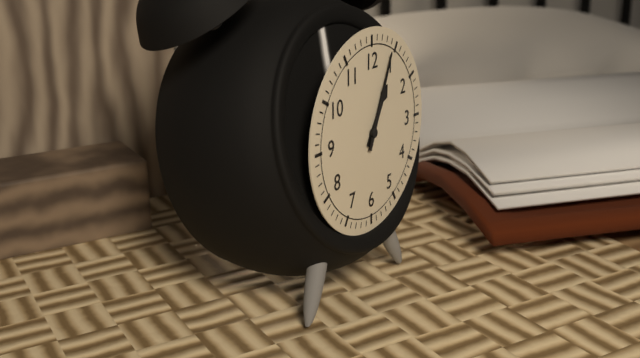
1:04
